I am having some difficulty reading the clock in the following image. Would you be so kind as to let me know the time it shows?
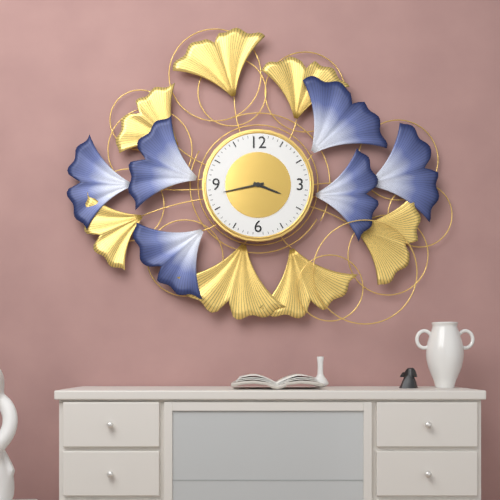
3:43
